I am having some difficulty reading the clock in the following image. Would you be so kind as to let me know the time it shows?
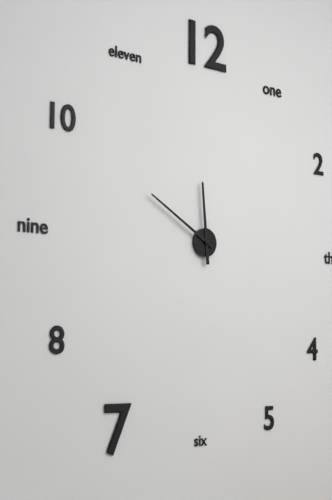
11:50
